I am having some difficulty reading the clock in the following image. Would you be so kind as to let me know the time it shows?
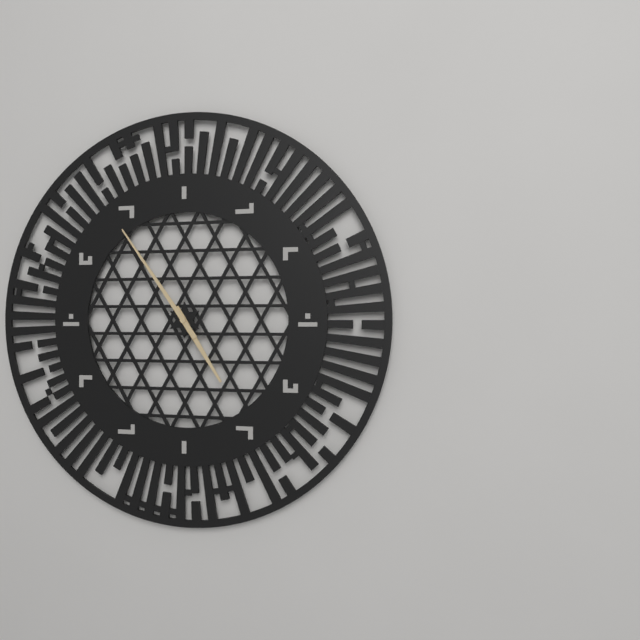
4:54
